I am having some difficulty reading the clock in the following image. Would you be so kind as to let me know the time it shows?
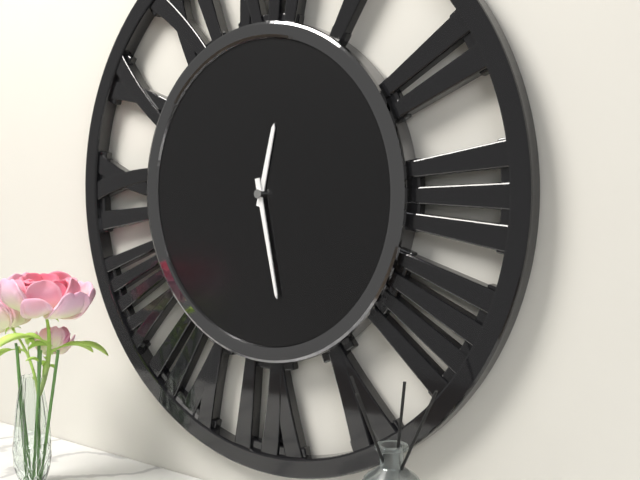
12:28
